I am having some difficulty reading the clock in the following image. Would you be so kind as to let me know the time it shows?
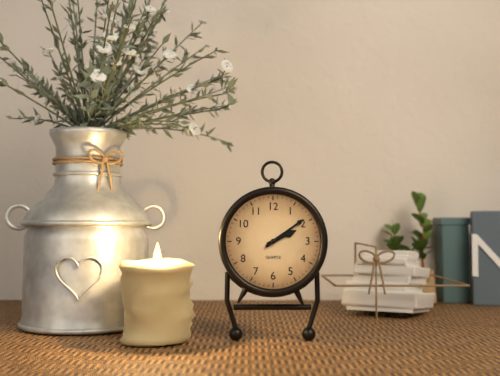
2:09
